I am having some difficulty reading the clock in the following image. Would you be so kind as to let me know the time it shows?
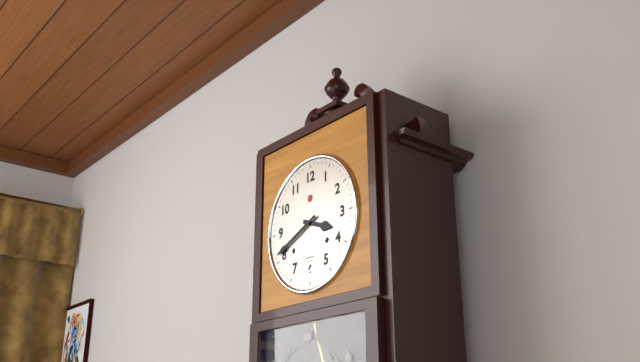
3:41
